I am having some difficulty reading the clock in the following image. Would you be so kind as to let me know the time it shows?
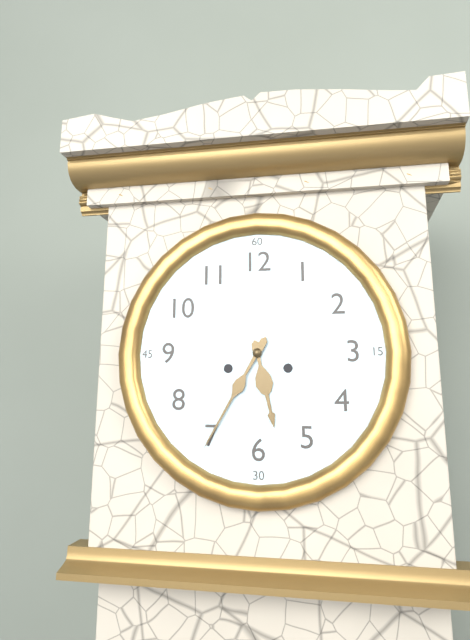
5:35
